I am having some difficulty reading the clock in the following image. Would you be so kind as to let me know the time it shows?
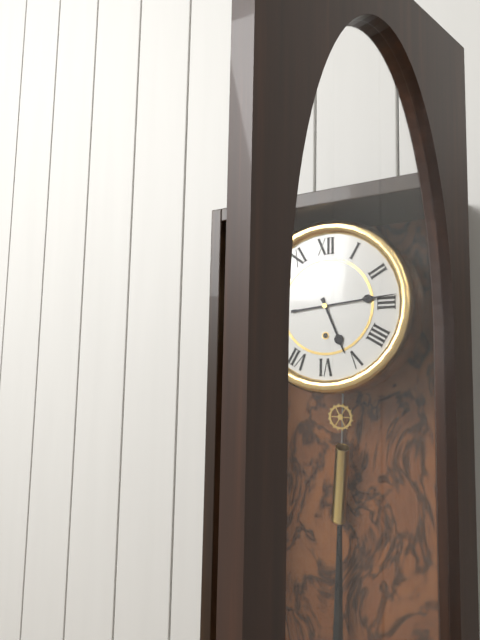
5:14
